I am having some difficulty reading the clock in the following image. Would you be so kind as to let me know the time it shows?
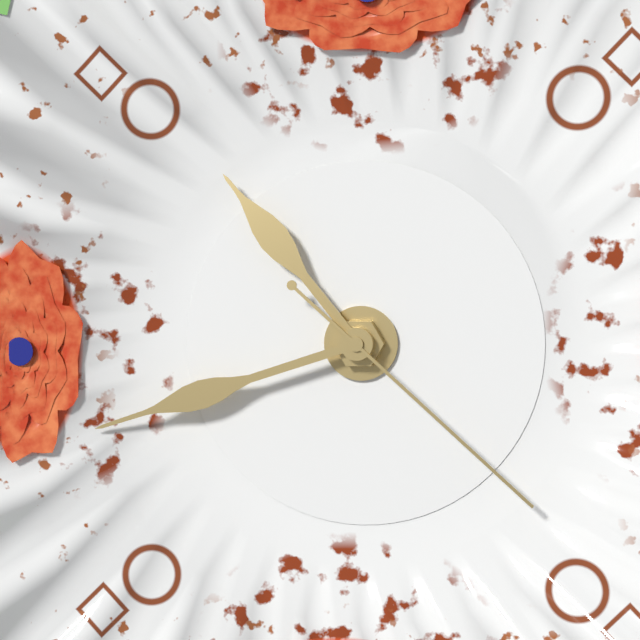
10:42:22
